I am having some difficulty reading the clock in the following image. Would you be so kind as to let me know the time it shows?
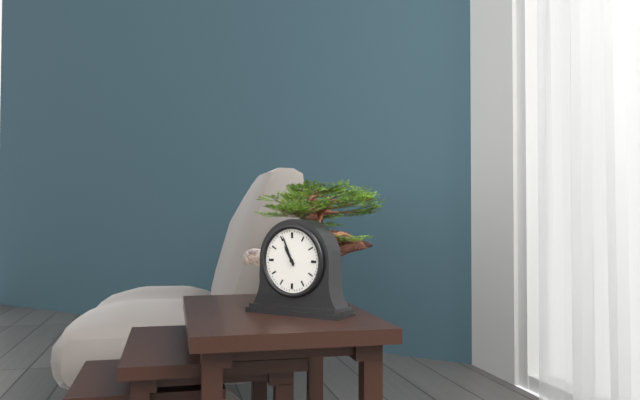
10:56
